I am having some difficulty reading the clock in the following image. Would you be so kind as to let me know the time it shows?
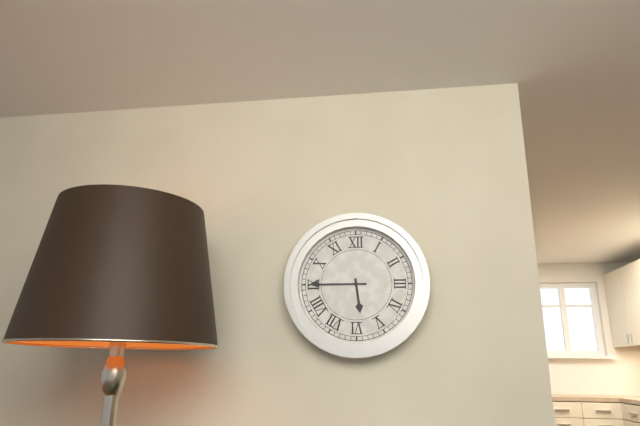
5:45
